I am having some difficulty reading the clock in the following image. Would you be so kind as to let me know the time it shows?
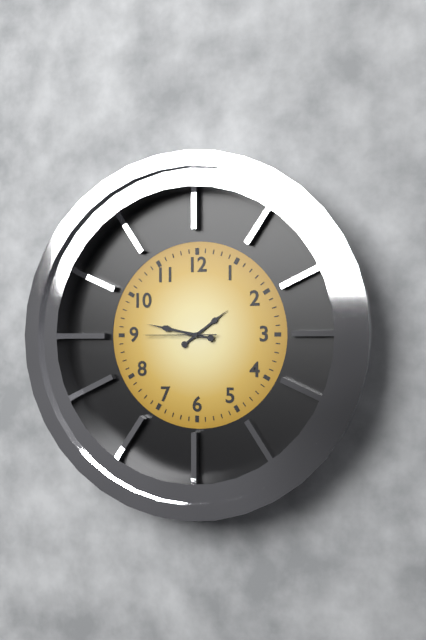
1:47:45
